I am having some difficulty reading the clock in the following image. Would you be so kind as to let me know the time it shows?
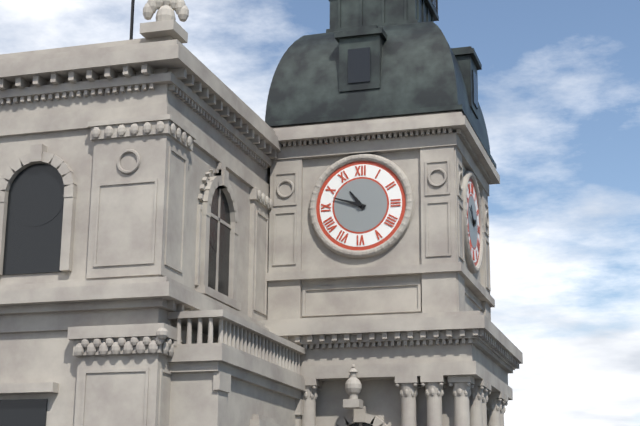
10:48
